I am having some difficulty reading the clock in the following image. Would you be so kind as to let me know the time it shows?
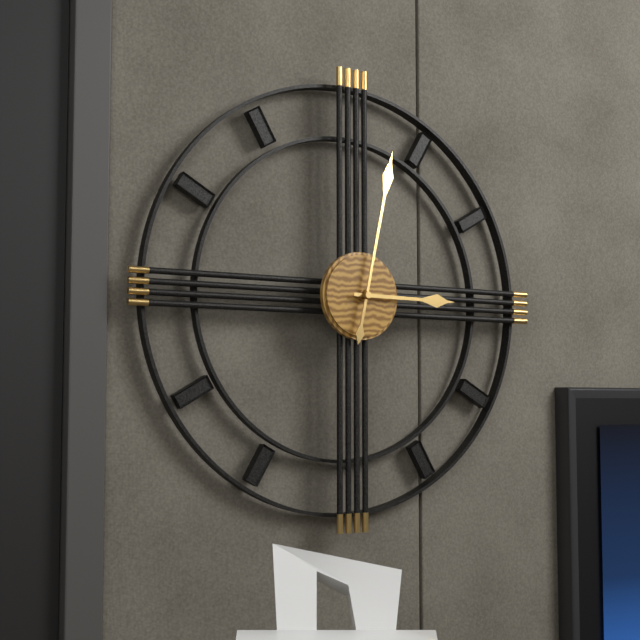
3:02
